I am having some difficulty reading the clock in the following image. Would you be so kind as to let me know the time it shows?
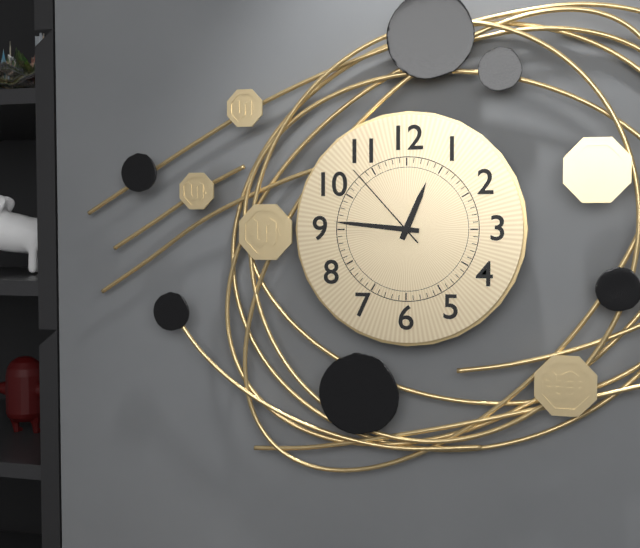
12:46:53
